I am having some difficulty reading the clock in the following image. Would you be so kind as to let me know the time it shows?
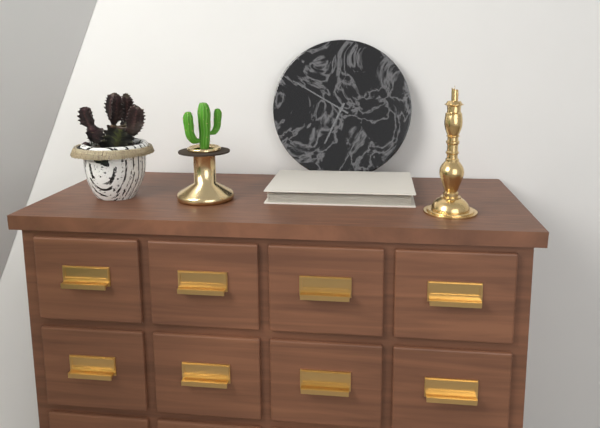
6:50
